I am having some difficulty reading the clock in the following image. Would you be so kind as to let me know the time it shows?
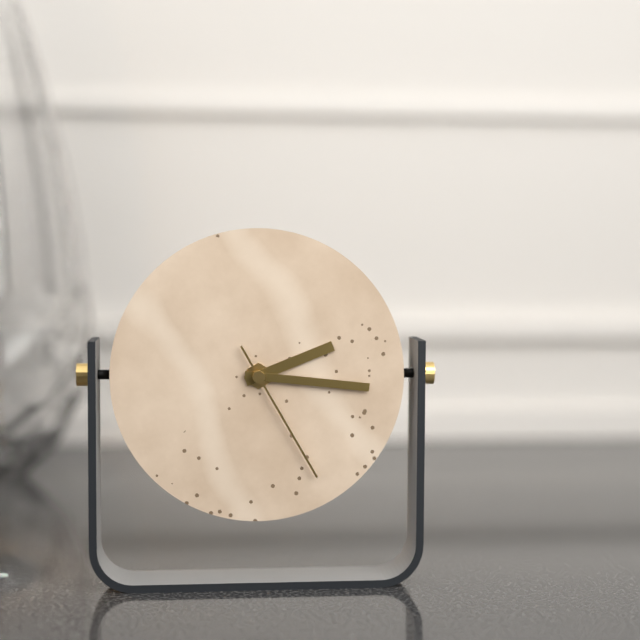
2:16:25
